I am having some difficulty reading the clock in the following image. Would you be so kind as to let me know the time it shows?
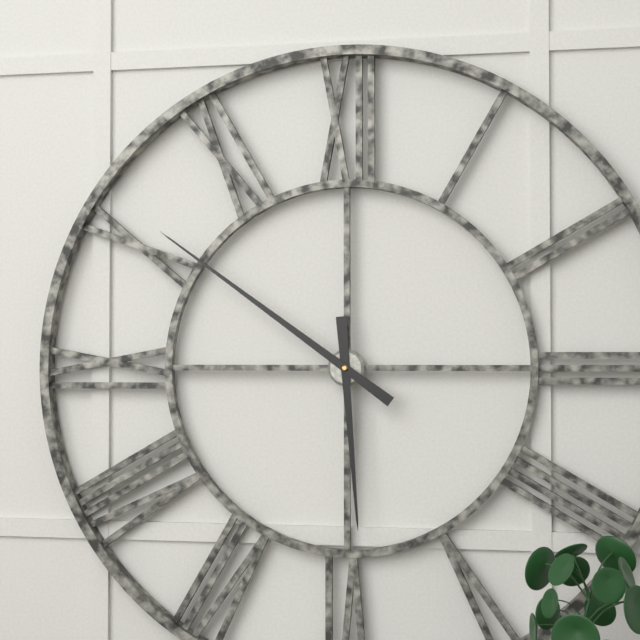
5:51
